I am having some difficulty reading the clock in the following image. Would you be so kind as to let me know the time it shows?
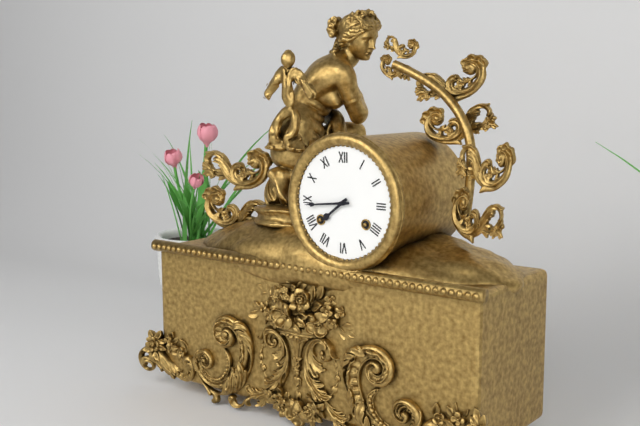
7:44
